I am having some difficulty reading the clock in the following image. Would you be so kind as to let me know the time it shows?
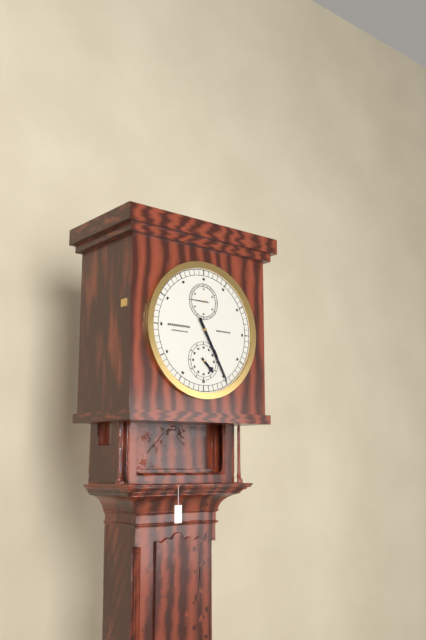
4:25
